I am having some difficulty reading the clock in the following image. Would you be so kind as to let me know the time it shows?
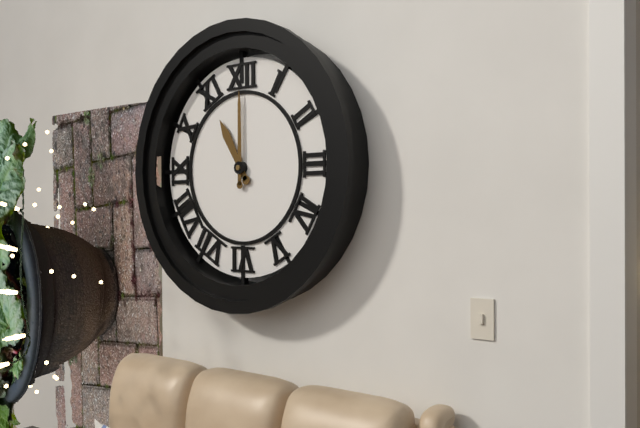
11:00
